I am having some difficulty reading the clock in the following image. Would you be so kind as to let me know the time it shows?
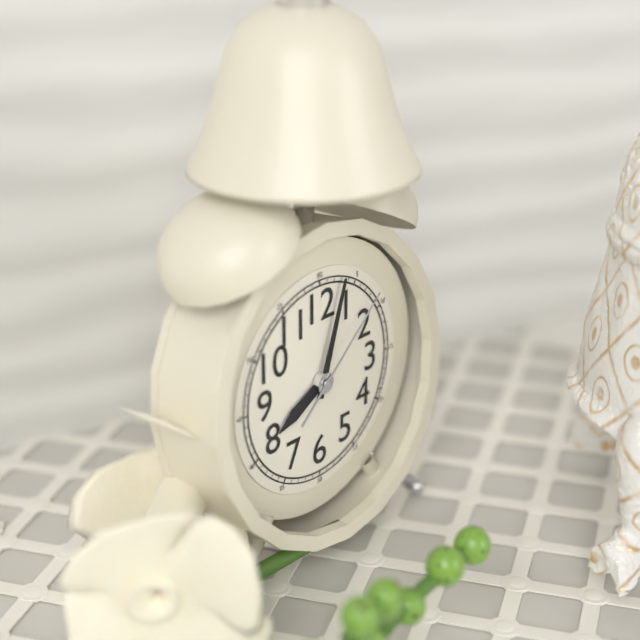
8:03:08
